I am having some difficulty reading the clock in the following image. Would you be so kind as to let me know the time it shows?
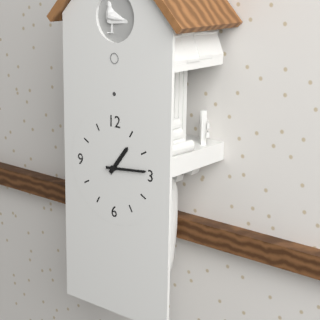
1:14
